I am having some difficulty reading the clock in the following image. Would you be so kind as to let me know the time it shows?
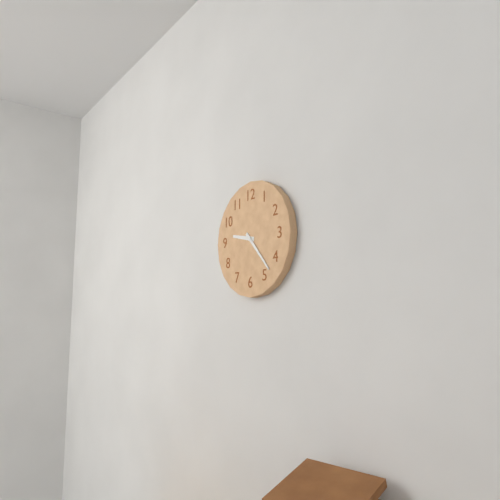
9:23
